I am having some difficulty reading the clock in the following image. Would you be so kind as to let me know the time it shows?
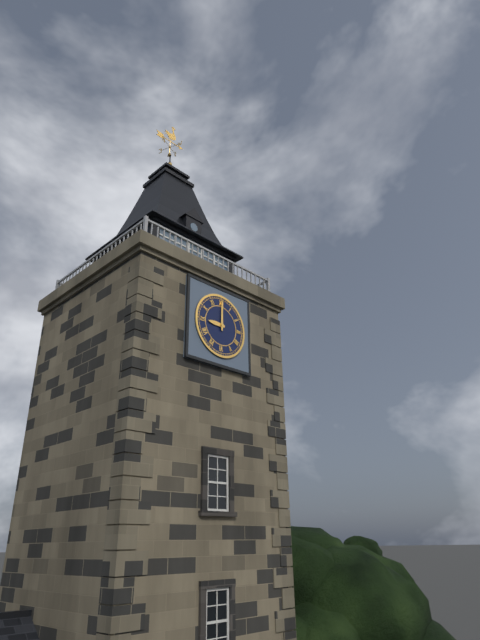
9:00
